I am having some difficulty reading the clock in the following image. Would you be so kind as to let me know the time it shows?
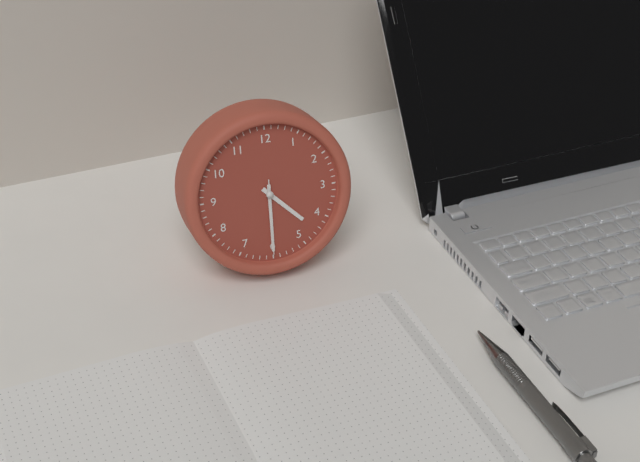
4:30:30
